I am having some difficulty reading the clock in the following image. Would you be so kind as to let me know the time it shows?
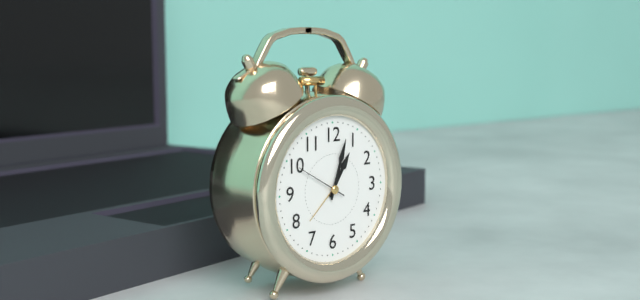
1:03:50
